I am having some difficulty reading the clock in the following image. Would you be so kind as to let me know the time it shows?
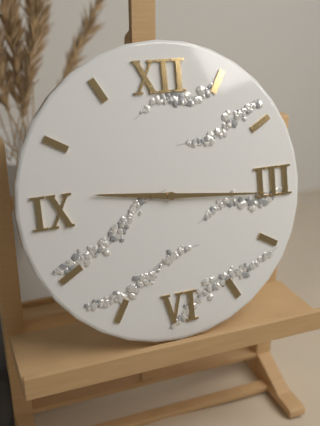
9:16
